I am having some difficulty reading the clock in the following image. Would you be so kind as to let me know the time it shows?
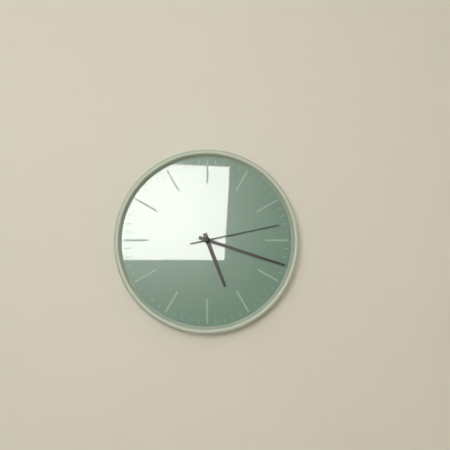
5:18:13
